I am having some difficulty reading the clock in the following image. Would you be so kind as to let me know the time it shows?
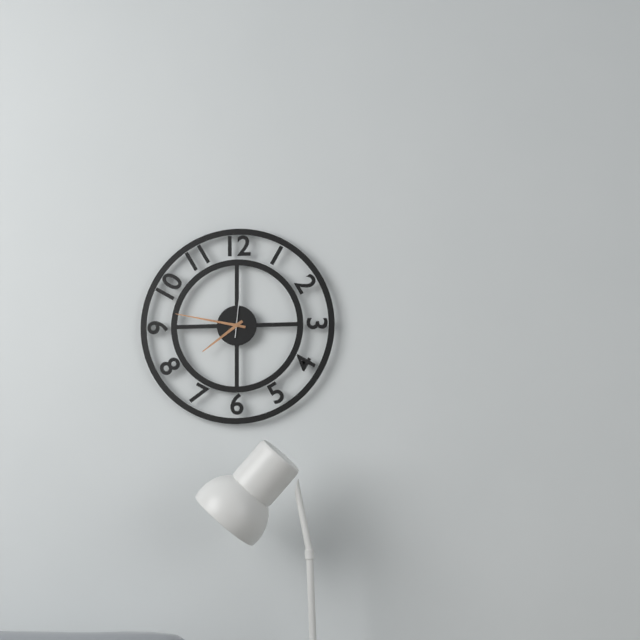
7:47:01
